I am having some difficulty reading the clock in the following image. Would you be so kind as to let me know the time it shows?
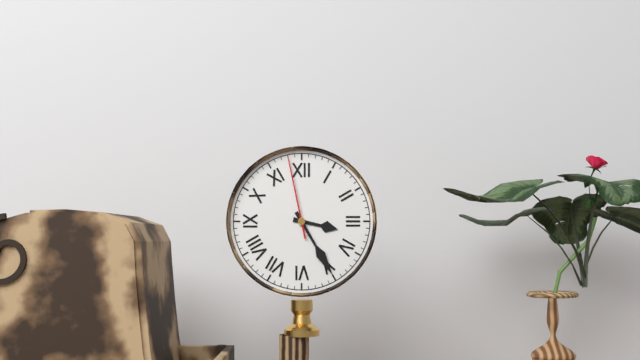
3:25:58
